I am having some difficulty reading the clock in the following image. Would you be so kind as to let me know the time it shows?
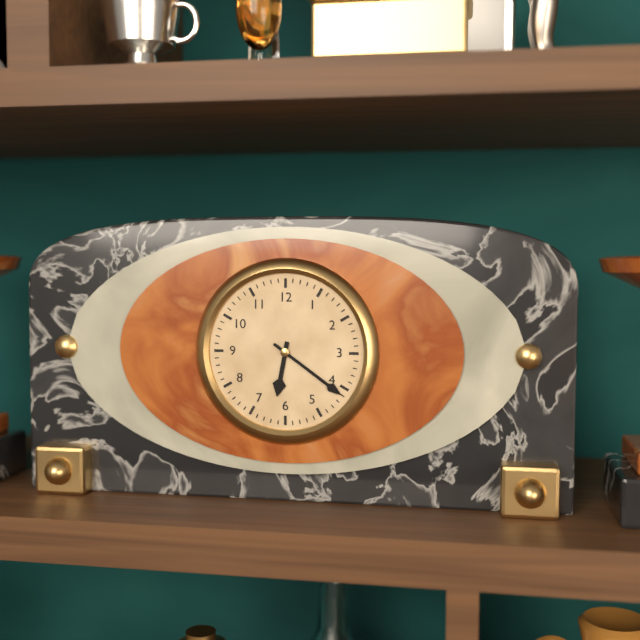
6:21
